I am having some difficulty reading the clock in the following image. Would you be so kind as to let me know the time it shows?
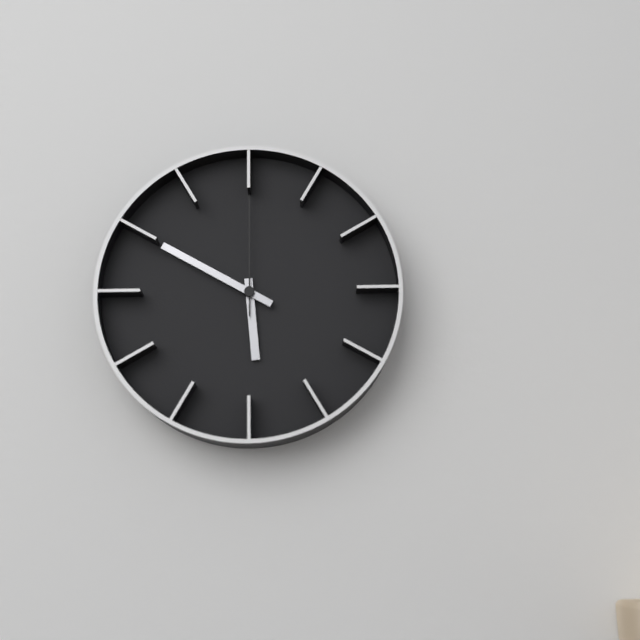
5:50:00
